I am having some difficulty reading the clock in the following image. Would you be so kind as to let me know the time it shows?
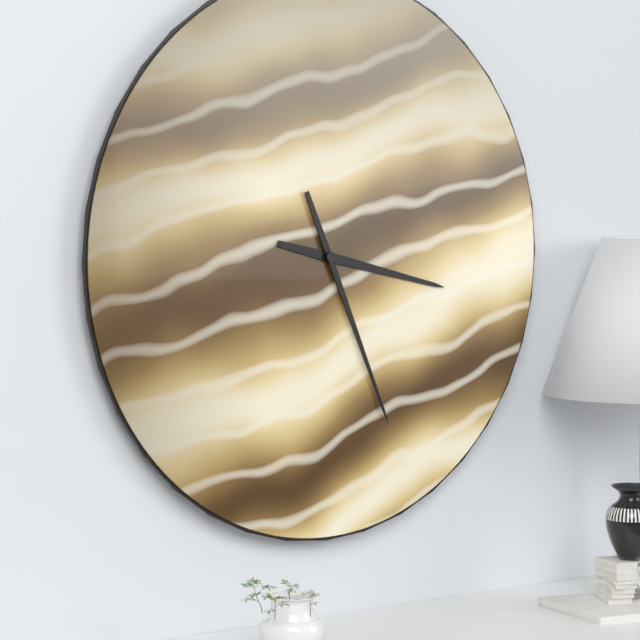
3:26
